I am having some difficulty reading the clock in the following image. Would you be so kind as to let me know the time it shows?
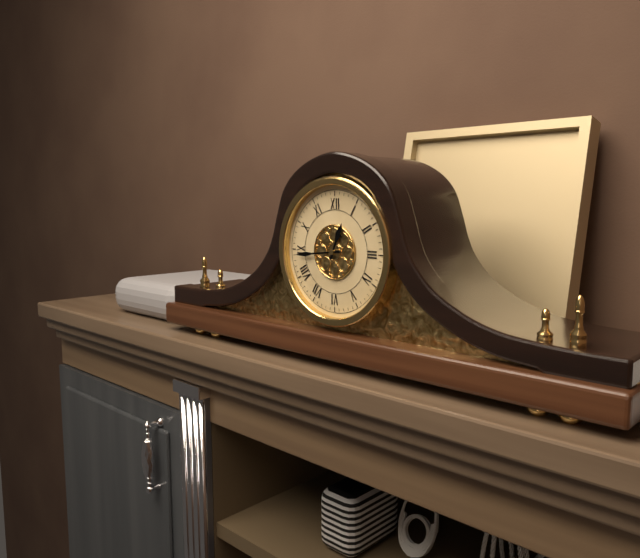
12:44
